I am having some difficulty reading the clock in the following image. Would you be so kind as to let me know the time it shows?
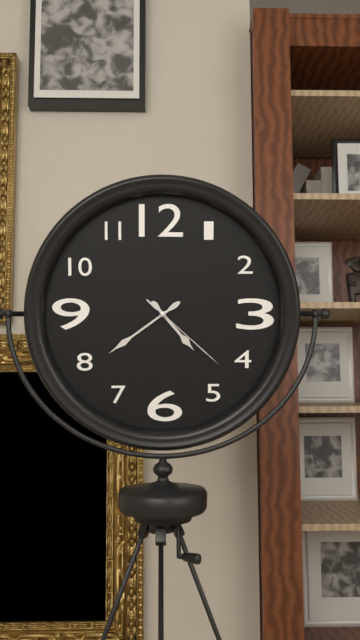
4:39:22
